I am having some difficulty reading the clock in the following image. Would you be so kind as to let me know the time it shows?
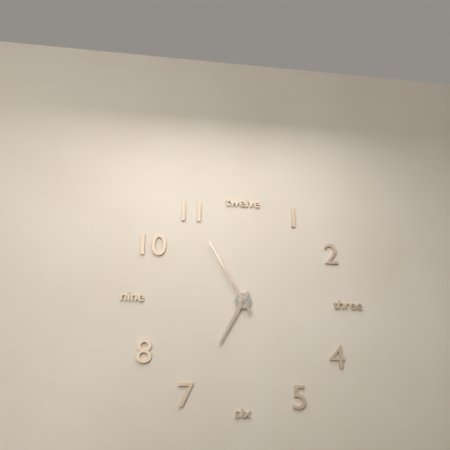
6:55
